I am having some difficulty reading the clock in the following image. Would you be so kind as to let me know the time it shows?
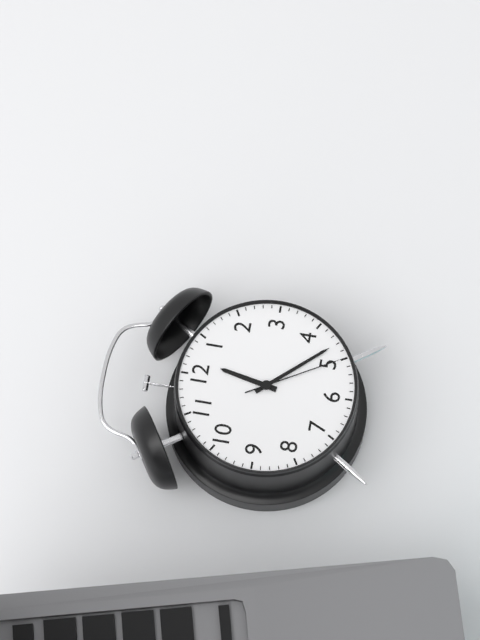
12:23:25
